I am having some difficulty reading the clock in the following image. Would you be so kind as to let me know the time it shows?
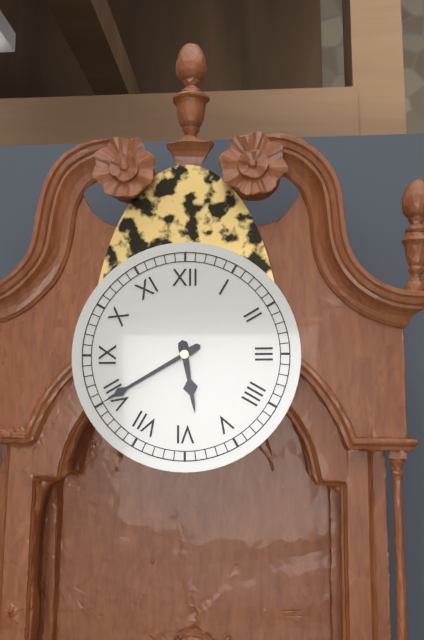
5:40
